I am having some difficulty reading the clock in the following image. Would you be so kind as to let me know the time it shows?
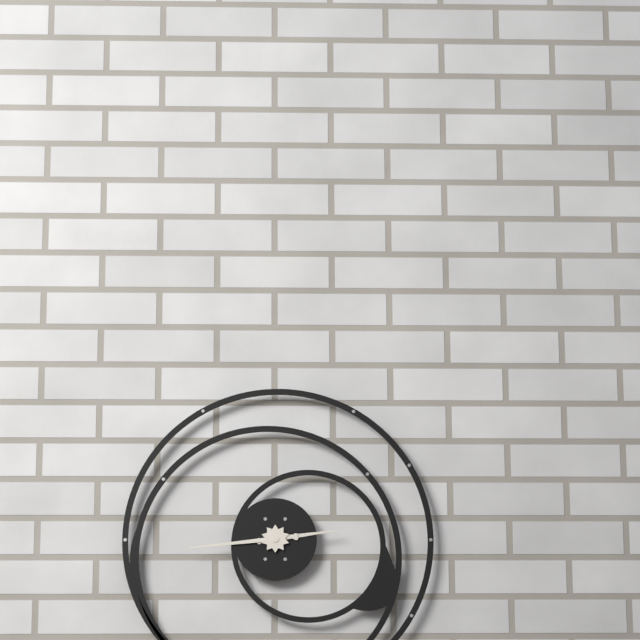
2:44
